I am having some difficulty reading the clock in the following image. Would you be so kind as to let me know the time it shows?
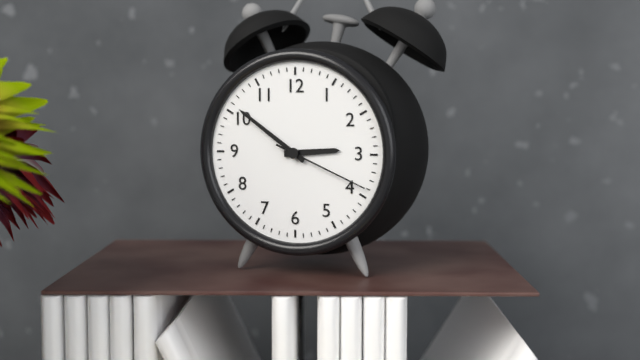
2:51:19
